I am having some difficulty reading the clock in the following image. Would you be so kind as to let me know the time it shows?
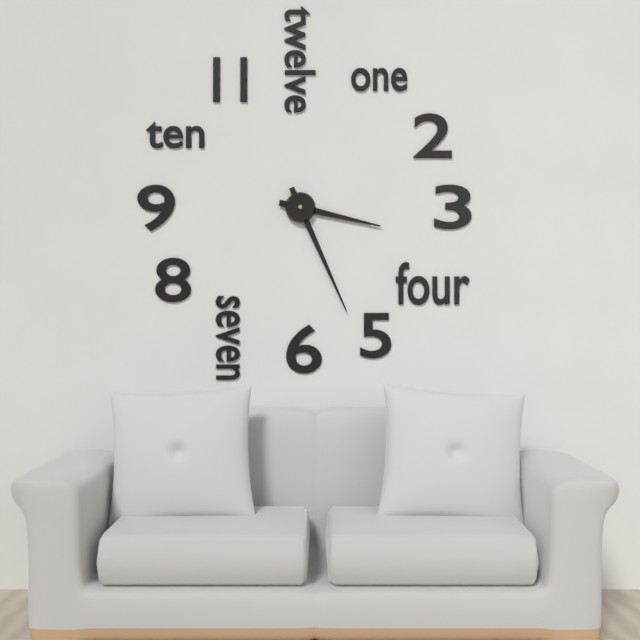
3:26
